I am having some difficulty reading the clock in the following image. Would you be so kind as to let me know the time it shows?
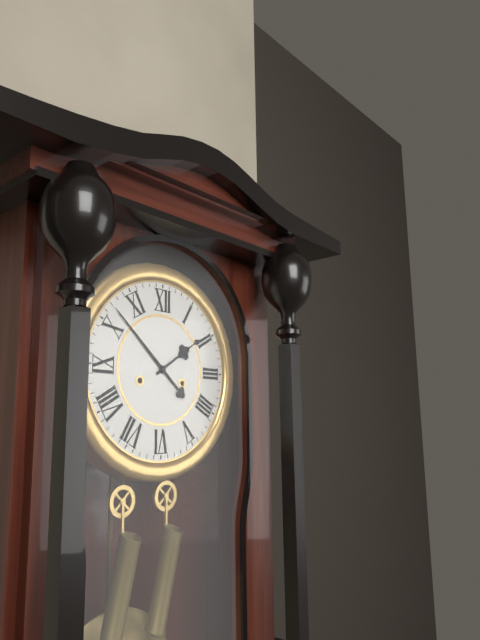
1:52
